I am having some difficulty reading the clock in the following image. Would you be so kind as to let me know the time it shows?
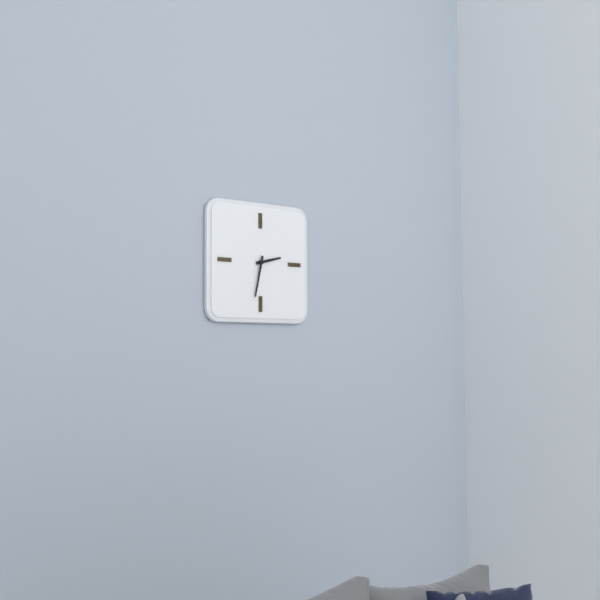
2:32
